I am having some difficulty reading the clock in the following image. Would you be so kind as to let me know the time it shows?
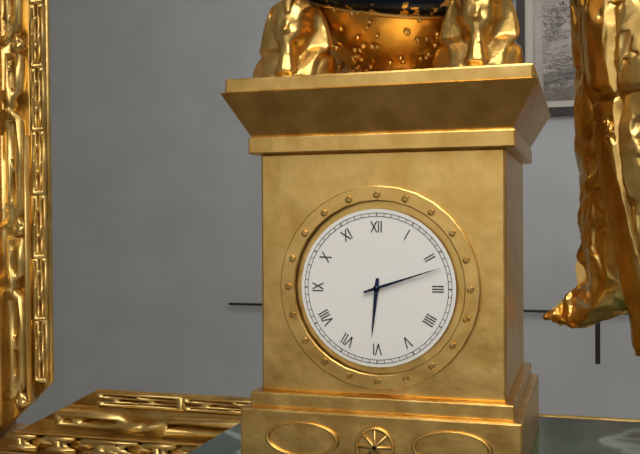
6:12
